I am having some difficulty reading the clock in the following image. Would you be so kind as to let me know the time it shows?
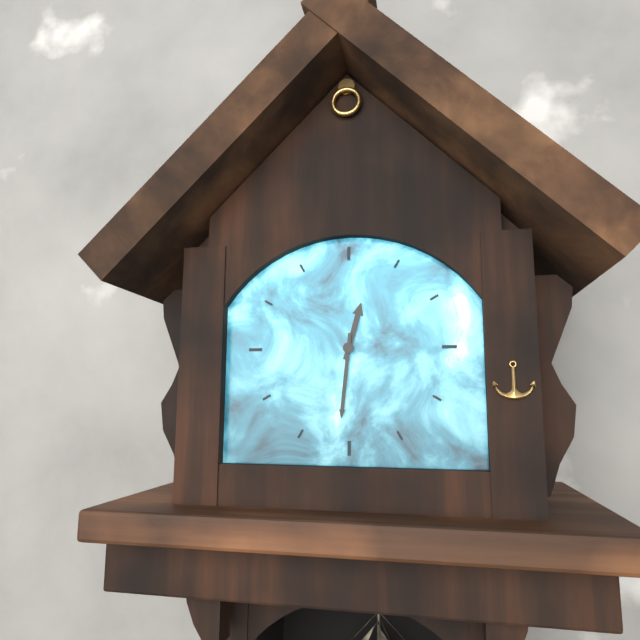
12:31
